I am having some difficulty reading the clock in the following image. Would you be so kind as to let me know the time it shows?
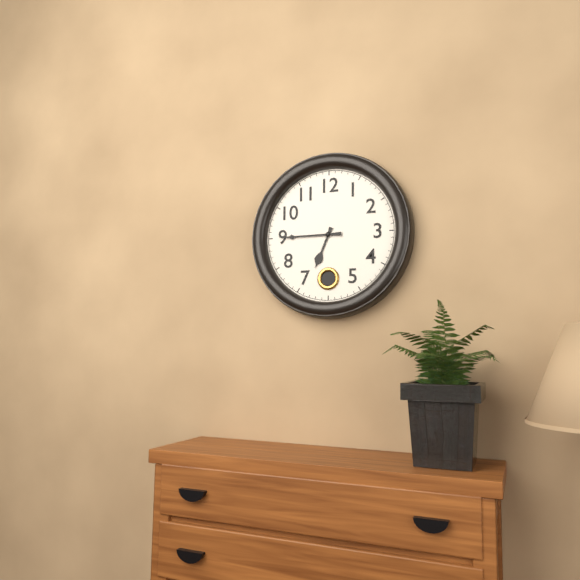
6:45
